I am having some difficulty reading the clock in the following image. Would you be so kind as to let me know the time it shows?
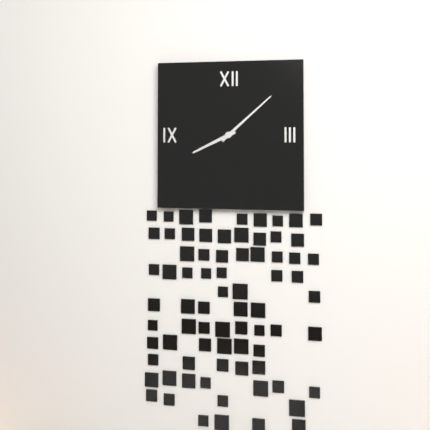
8:08
